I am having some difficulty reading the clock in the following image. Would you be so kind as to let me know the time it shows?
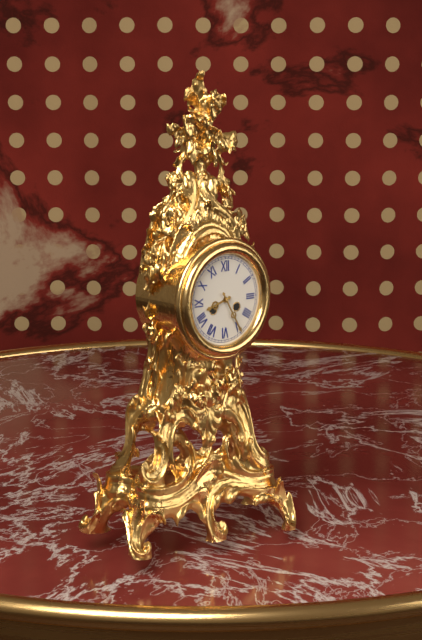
8:25
